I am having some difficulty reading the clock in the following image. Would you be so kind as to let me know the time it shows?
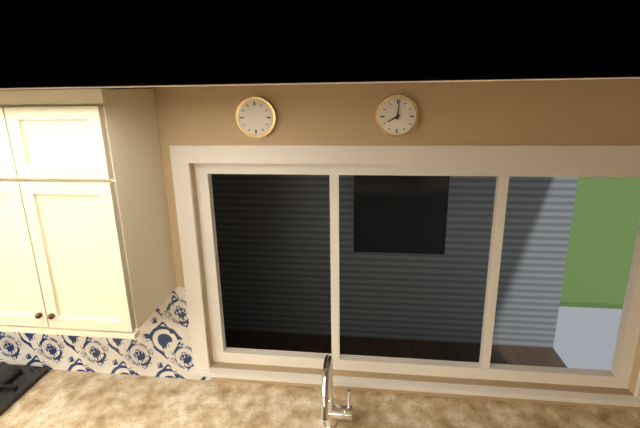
8:01
